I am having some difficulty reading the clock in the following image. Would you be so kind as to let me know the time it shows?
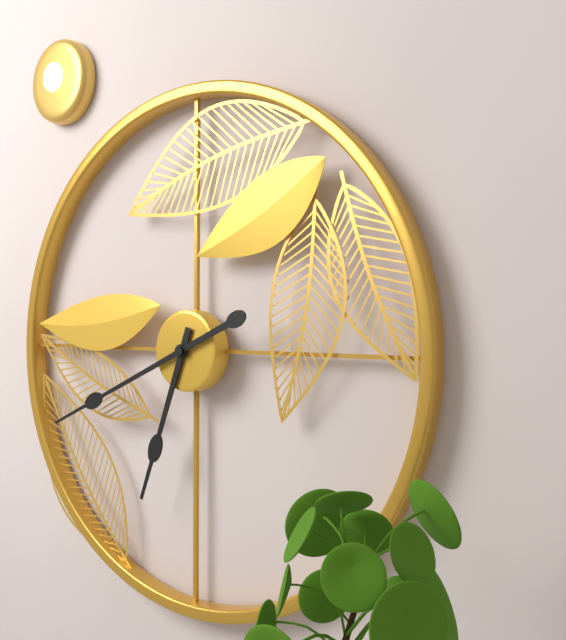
6:41
